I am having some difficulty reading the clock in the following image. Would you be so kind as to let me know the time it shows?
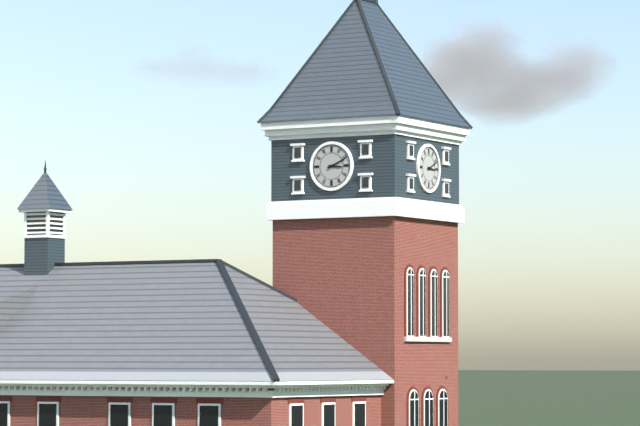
3:11
